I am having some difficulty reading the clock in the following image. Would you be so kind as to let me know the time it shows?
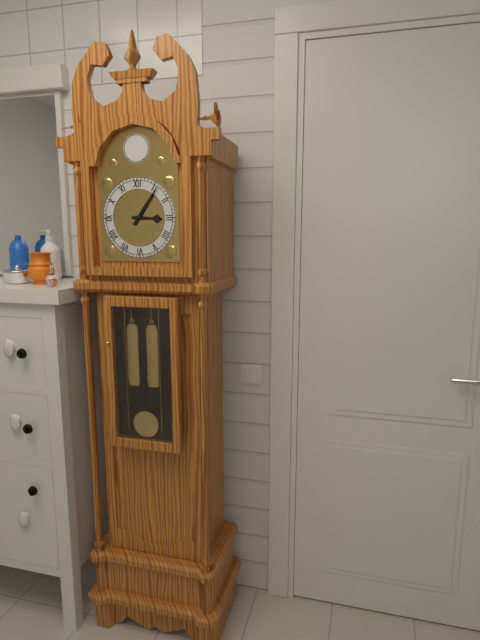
3:06
